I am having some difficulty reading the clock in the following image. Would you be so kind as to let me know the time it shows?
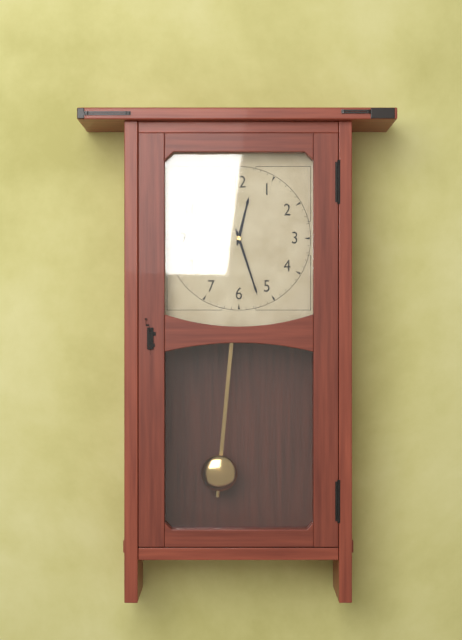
12:27
